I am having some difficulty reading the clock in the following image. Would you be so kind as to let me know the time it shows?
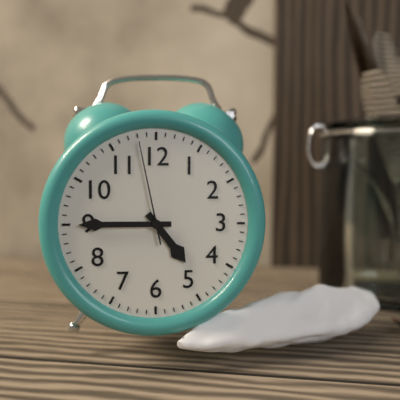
4:45:58
